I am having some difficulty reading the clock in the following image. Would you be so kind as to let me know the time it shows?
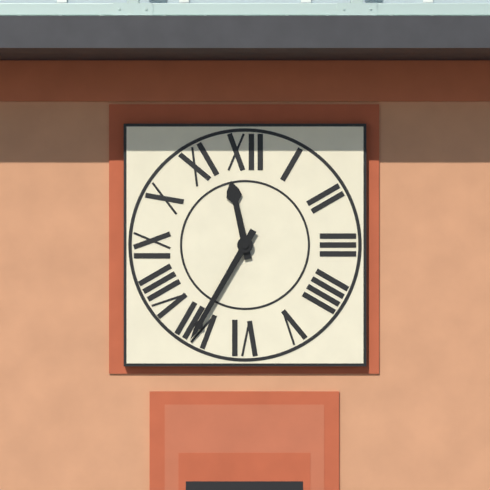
11:35
